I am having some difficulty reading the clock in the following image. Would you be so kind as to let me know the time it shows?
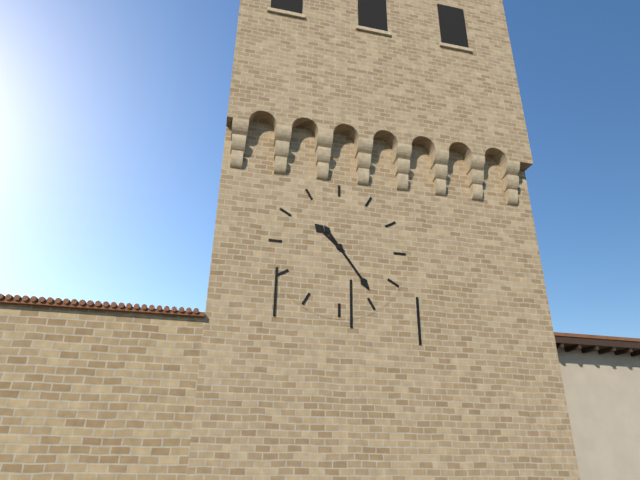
10:24
